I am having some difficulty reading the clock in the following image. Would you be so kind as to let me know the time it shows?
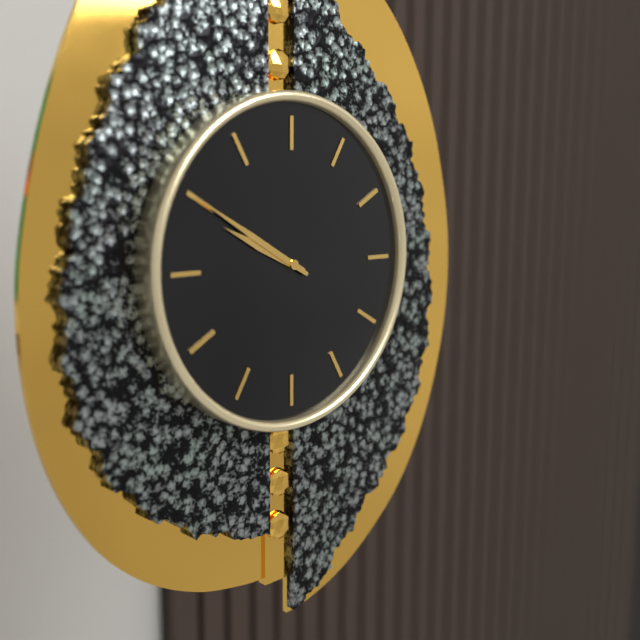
9:50
